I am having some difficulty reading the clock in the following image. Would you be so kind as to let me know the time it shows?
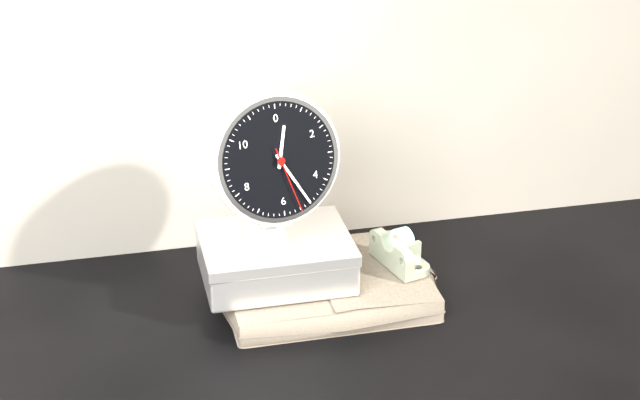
12:25:27
